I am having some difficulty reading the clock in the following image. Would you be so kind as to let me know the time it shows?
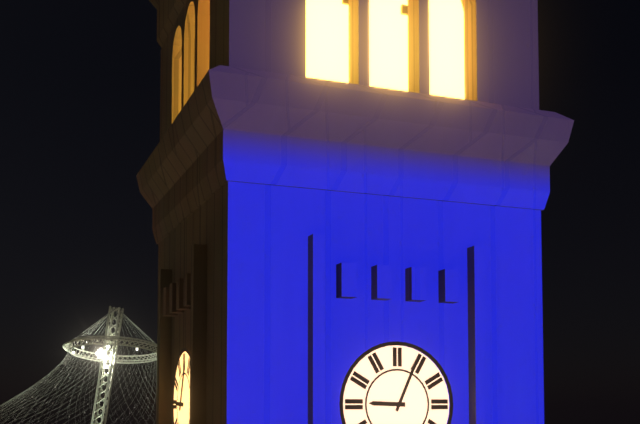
9:04
